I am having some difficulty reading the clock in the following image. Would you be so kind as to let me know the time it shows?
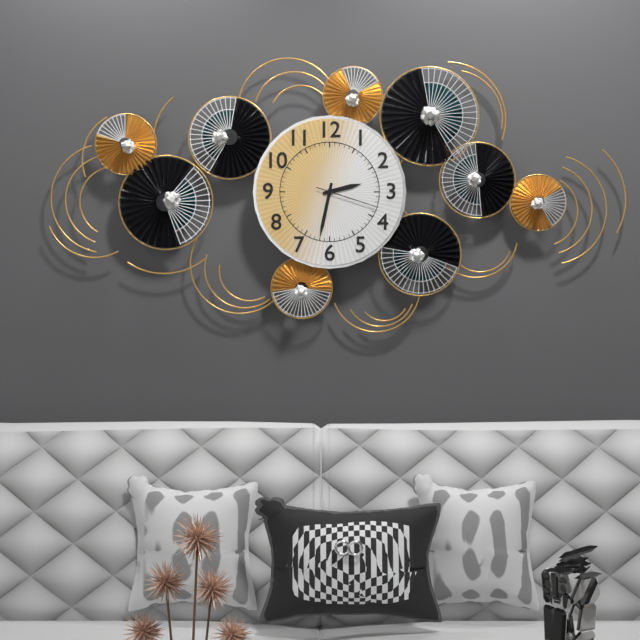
2:32:18
